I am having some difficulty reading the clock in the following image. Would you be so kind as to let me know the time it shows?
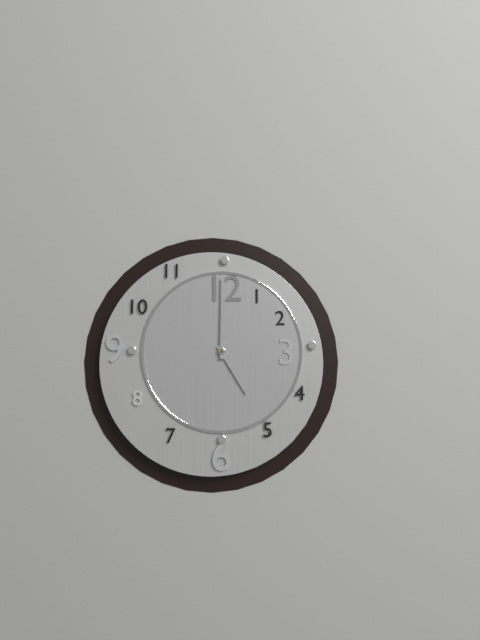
5:00
